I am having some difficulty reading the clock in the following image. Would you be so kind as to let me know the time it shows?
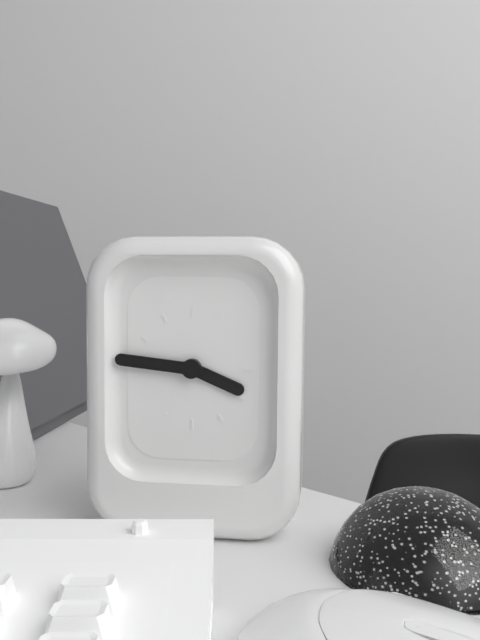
3:46
